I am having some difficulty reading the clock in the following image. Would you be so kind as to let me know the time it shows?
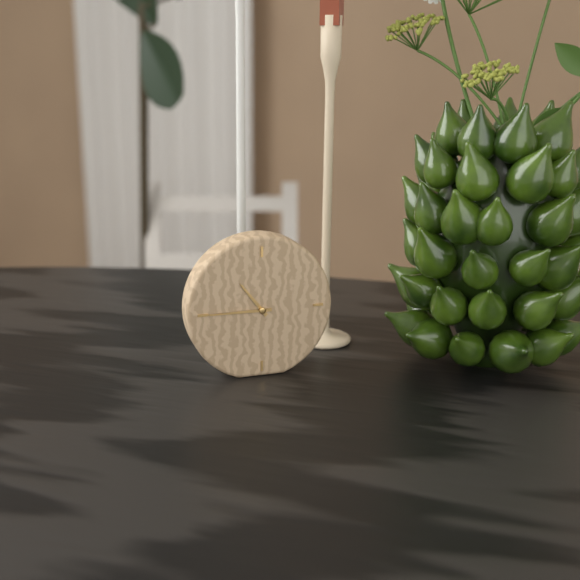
10:45
